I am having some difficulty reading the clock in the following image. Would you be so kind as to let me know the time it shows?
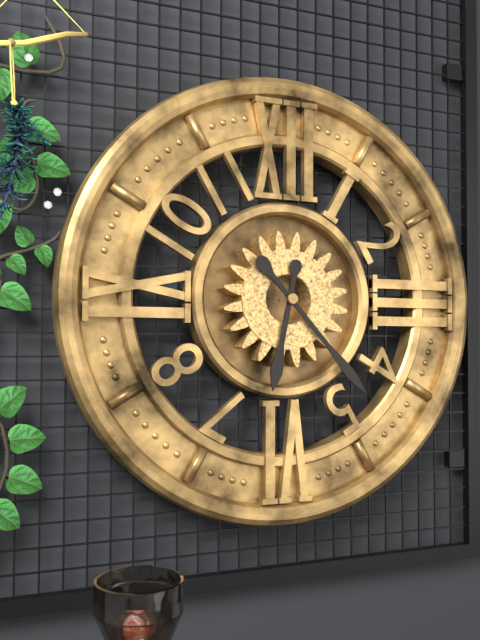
6:23
